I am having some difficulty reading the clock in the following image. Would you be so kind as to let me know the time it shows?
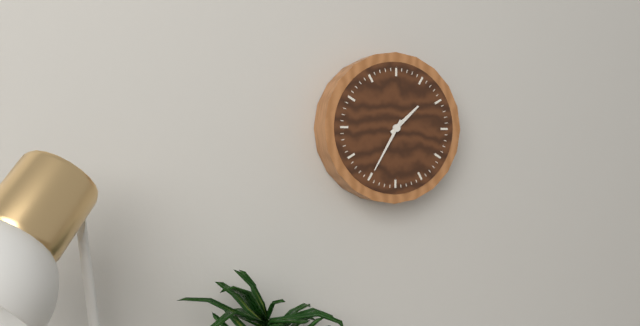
1:35
